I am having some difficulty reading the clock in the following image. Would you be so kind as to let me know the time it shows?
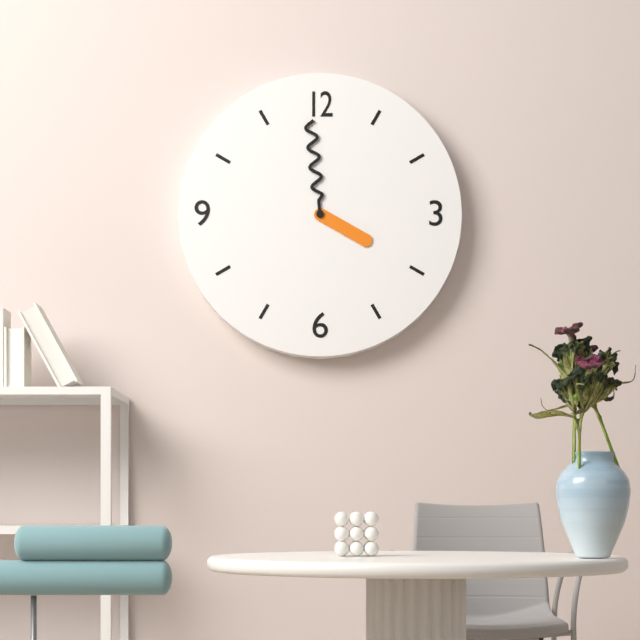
3:59
